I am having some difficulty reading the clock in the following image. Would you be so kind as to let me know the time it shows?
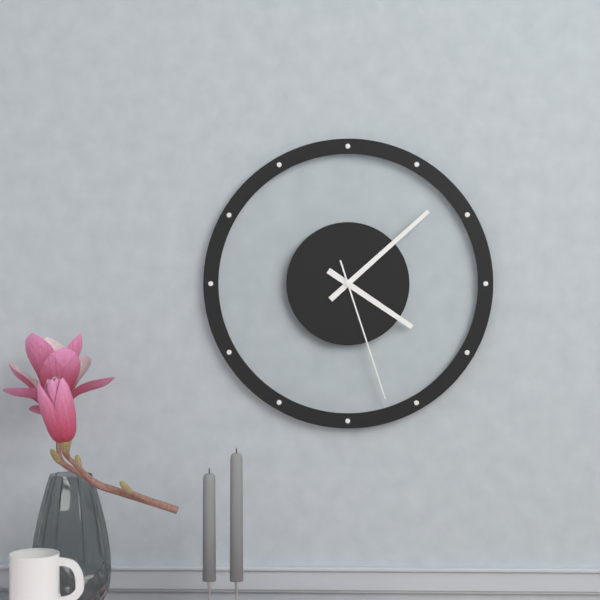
4:08:27
